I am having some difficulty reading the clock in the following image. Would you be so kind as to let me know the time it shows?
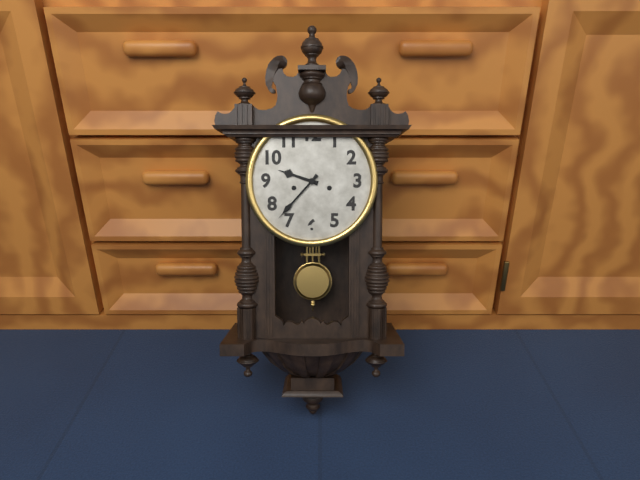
9:37
